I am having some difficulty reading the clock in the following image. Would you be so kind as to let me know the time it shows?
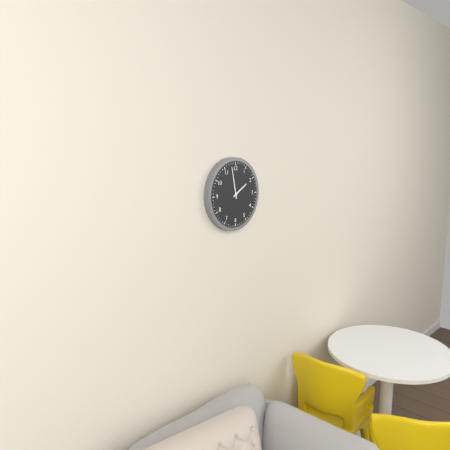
1:58
